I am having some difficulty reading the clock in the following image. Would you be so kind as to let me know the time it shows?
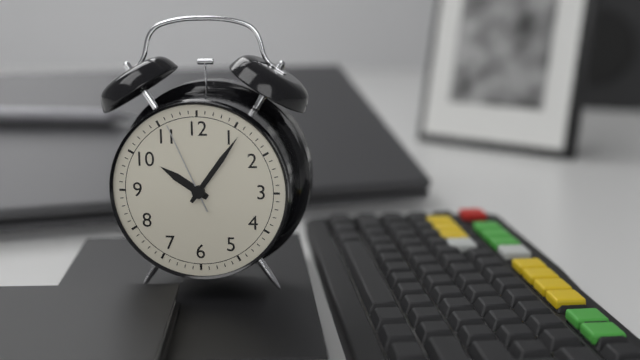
10:06:56
